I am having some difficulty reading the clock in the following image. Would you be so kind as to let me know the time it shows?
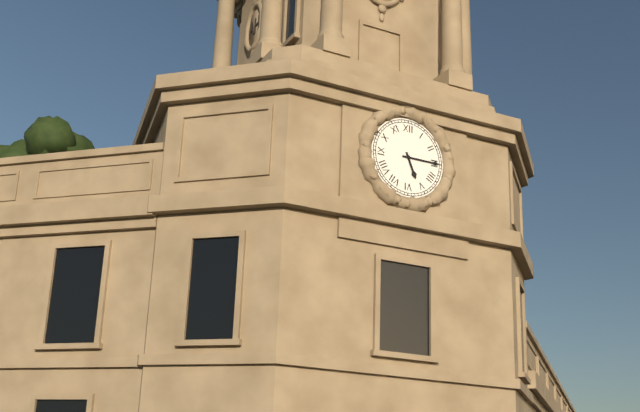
5:15
